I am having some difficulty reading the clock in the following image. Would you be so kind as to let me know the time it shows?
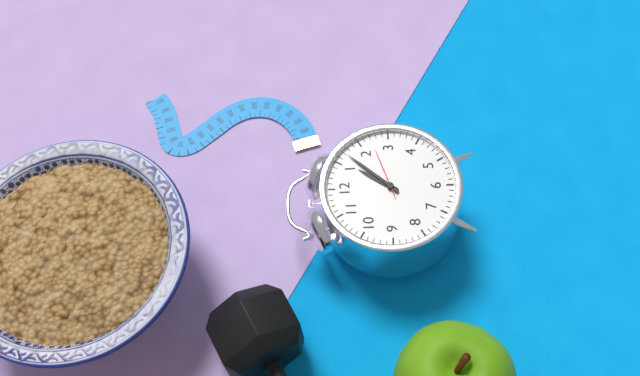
1:07:12
